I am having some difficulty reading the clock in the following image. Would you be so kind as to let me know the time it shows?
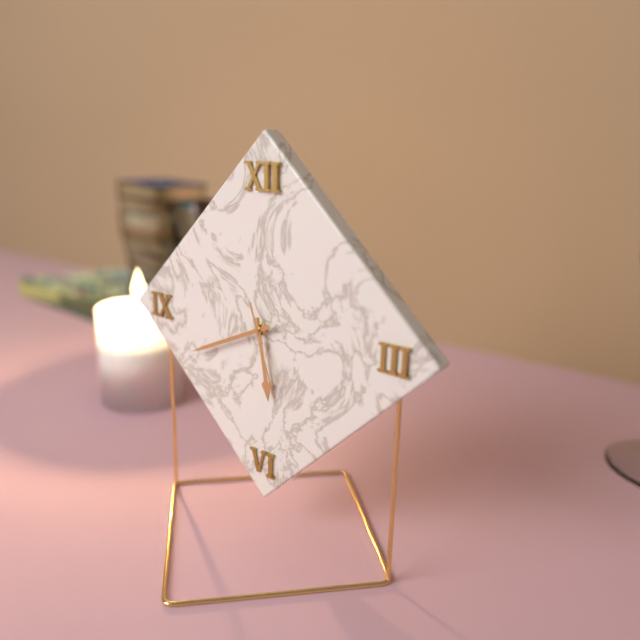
5:41:27
